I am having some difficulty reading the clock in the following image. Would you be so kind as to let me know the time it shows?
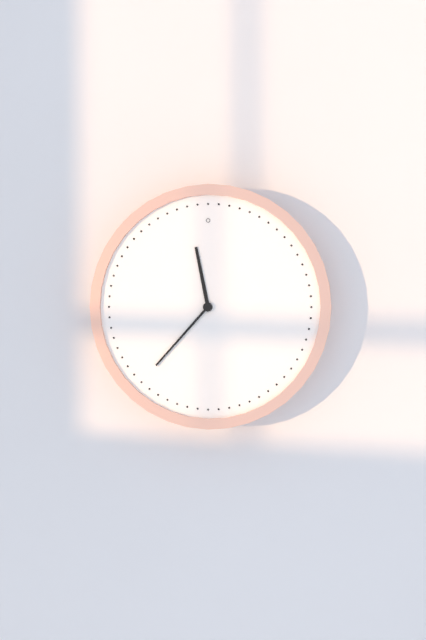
11:37
